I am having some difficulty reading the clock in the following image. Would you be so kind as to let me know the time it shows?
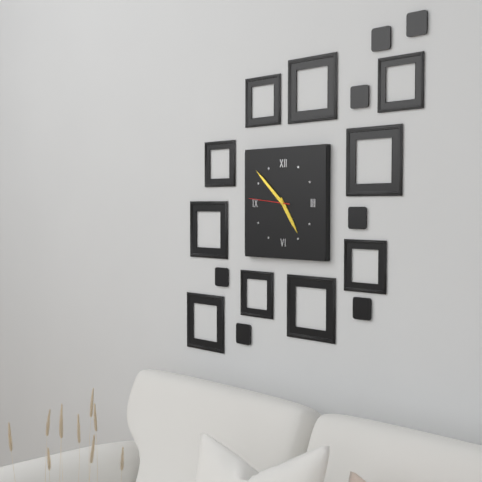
4:52
